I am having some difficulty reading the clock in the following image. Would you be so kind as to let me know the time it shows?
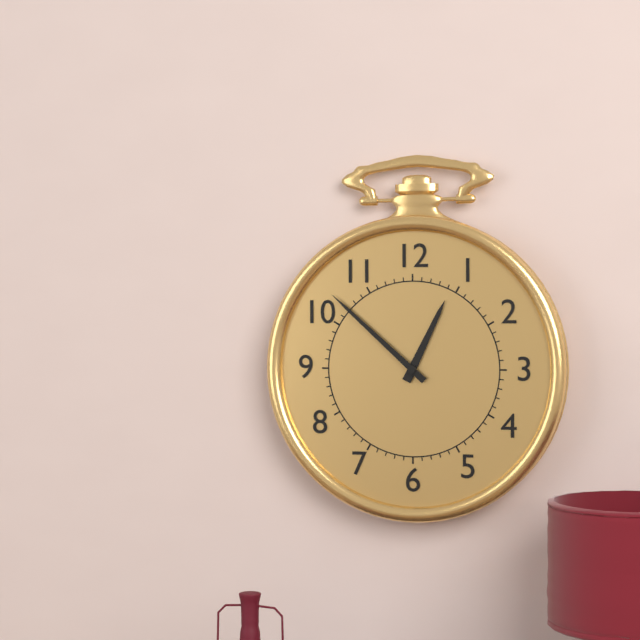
12:52
